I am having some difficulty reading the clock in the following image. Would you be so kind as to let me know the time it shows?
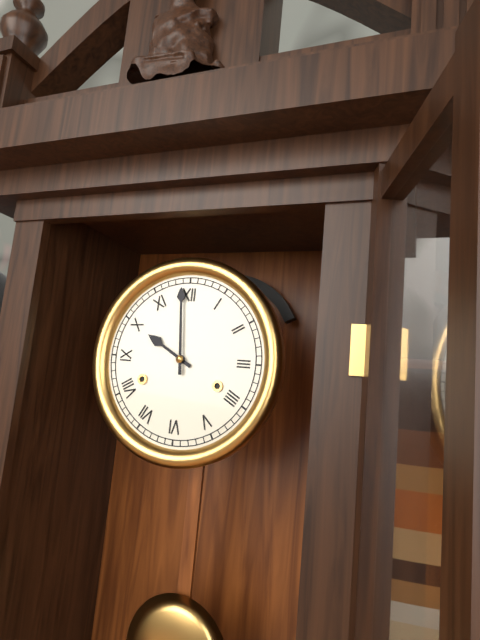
9:59
